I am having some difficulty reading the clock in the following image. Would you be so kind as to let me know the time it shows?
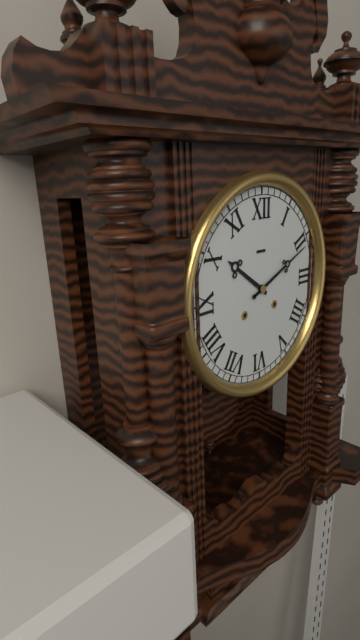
10:11
